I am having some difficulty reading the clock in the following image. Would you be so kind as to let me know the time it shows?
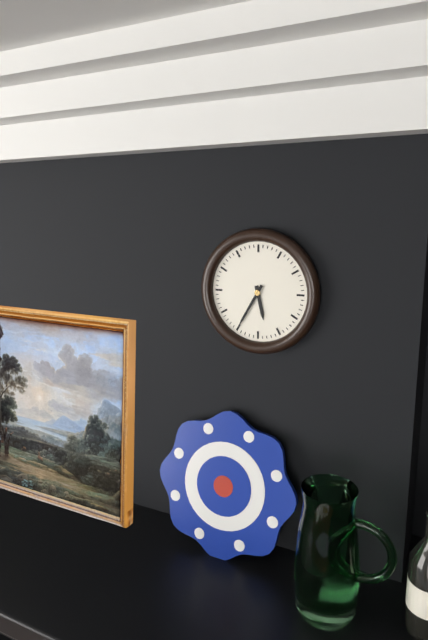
5:35
